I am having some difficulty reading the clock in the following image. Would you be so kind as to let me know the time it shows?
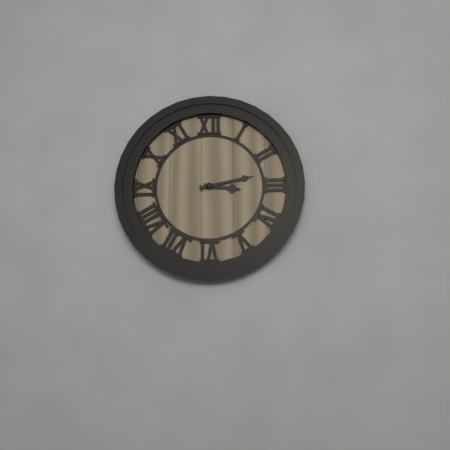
3:13
